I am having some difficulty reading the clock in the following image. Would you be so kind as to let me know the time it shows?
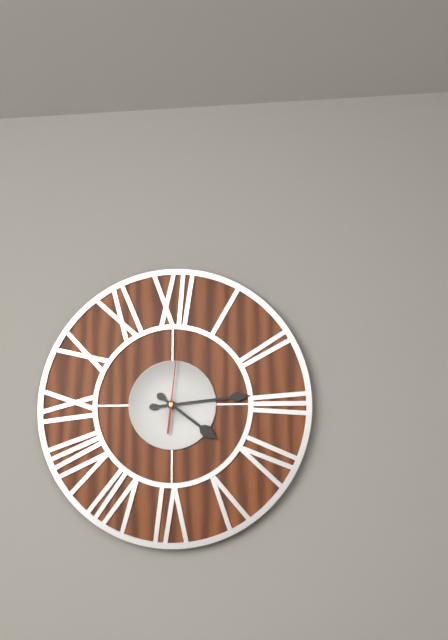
4:14:01
